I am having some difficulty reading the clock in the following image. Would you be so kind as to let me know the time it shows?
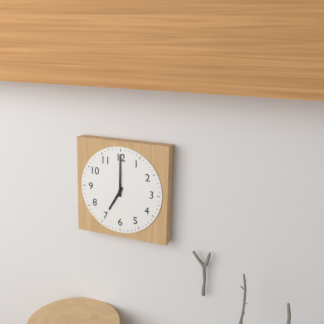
7:00
